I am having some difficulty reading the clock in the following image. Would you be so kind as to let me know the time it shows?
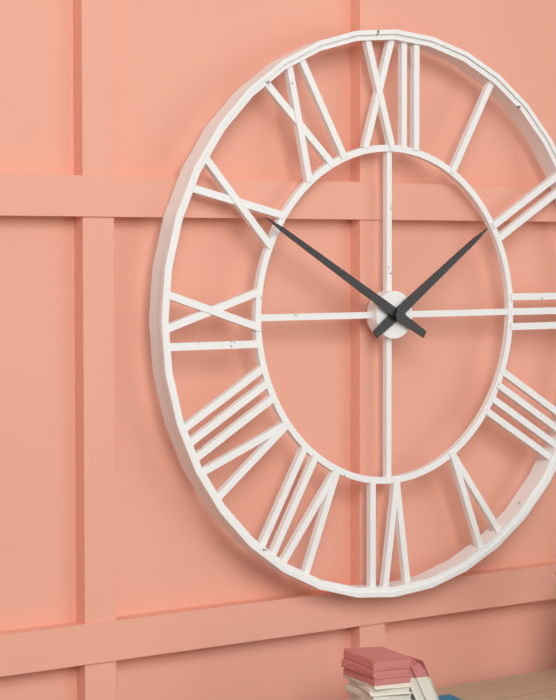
1:50
